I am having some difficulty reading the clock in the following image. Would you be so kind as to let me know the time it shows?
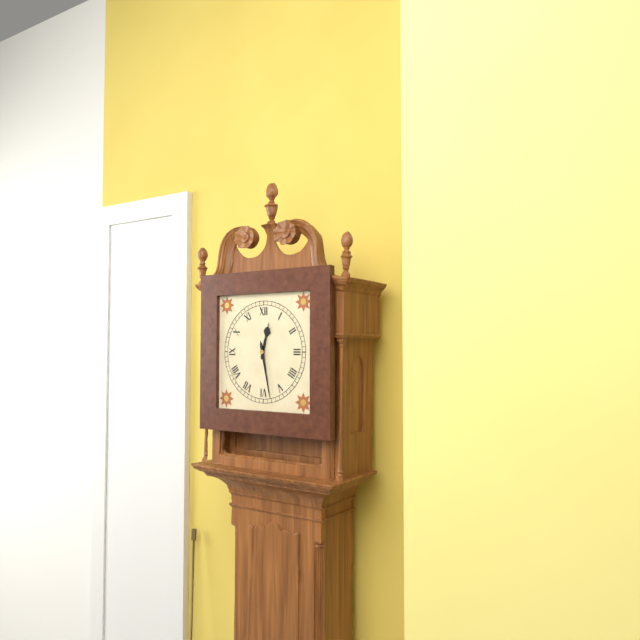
12:28
